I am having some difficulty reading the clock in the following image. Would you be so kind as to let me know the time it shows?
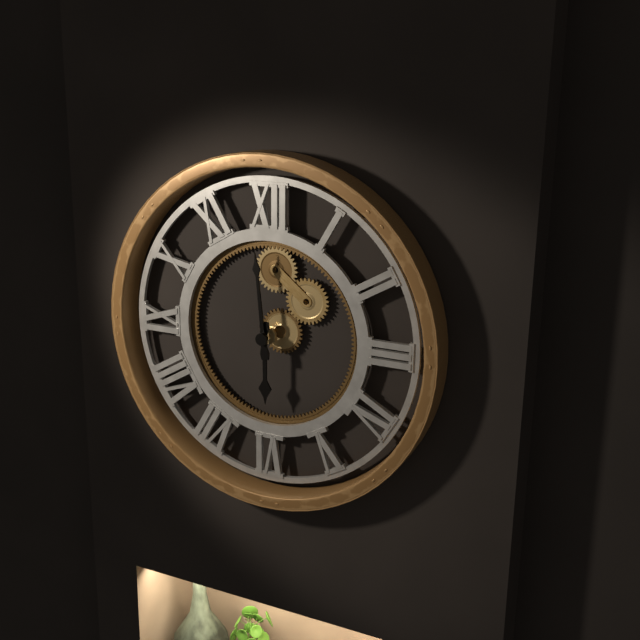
5:59
